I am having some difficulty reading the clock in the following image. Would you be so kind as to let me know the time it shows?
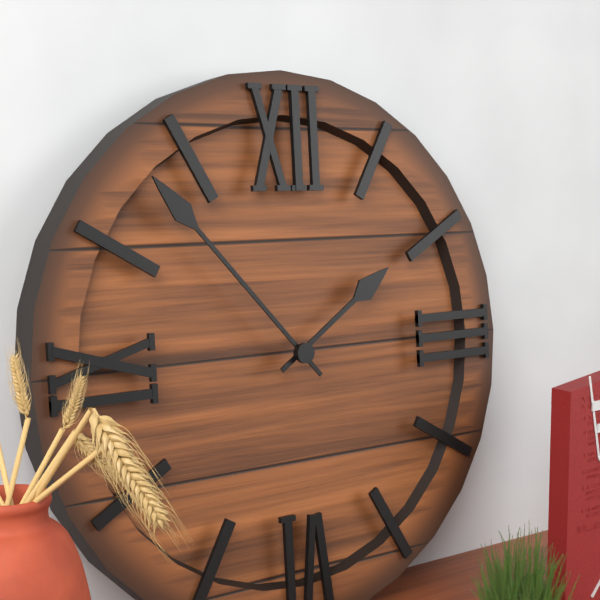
1:53
